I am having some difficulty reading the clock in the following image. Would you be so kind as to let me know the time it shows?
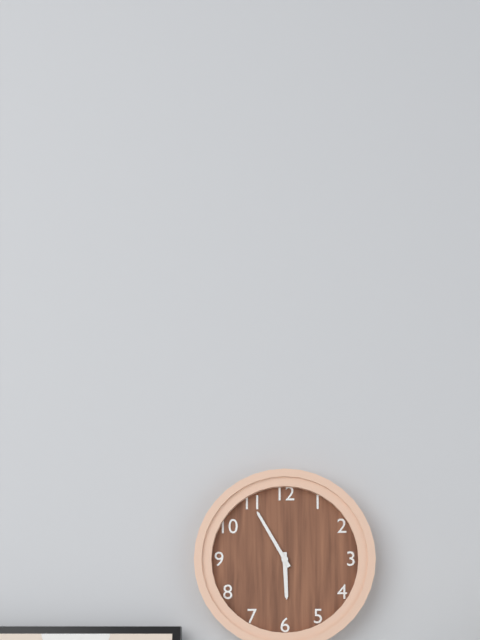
5:55
